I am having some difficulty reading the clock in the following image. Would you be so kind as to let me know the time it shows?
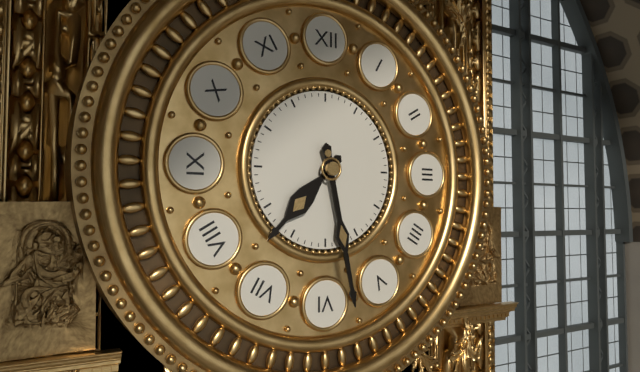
7:28
